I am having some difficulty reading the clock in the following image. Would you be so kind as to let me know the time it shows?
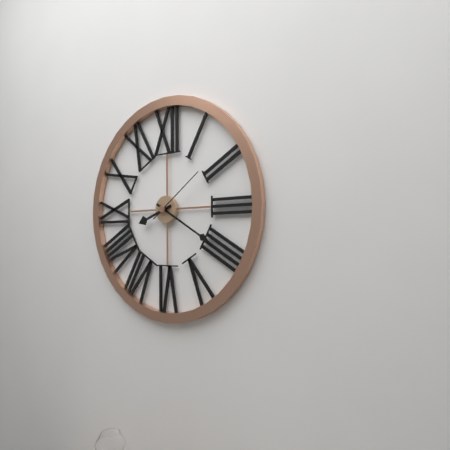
8:20:09
